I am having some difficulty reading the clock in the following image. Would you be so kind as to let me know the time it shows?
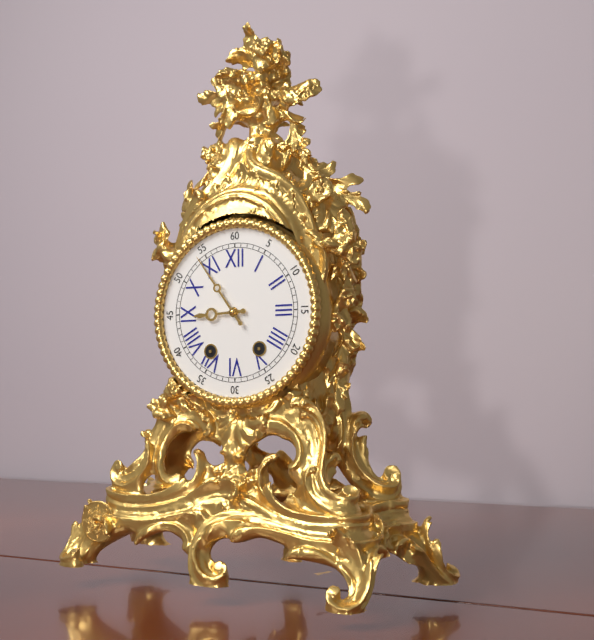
8:54
